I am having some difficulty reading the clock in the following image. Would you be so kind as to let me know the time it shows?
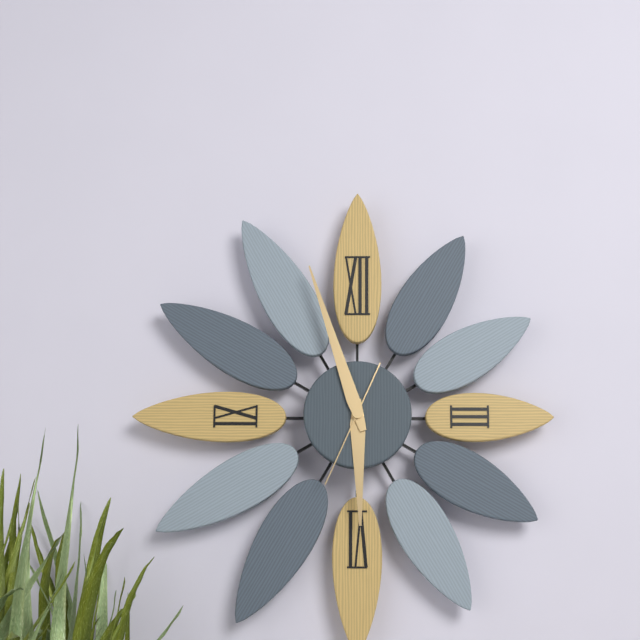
5:57:34
